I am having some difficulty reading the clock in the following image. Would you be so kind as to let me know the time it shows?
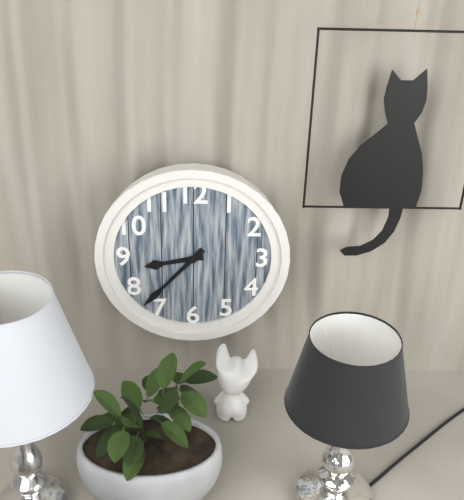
8:37
